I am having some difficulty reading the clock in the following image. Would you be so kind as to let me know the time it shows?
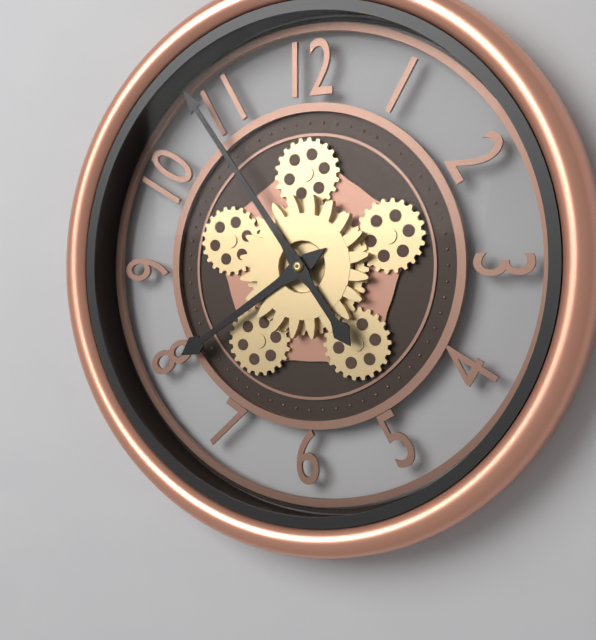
7:54
